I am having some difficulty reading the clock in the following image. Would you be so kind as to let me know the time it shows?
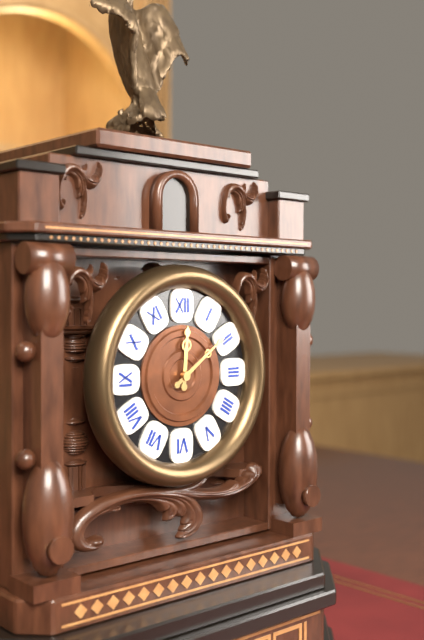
12:09
